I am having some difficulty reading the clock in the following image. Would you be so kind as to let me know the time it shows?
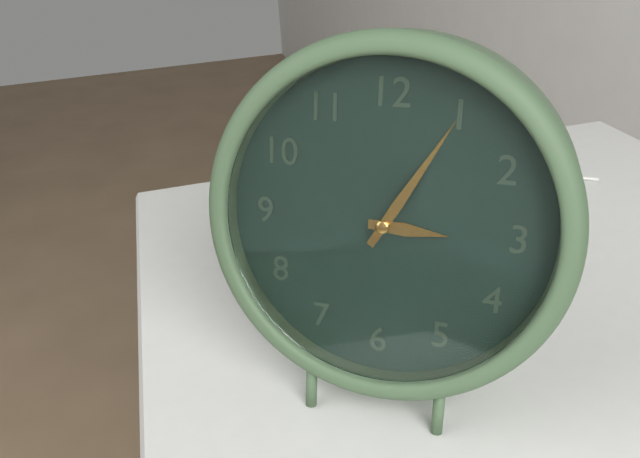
3:05
